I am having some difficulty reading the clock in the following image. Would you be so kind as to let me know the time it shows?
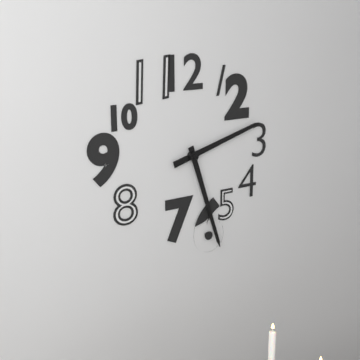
2:27
